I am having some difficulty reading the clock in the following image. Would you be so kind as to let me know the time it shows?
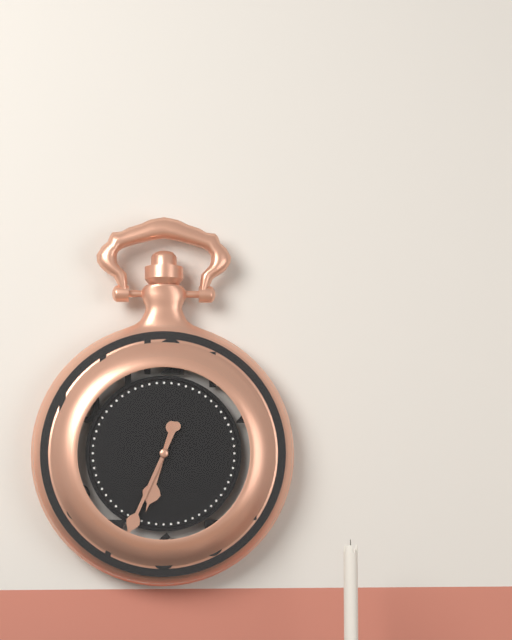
6:34
